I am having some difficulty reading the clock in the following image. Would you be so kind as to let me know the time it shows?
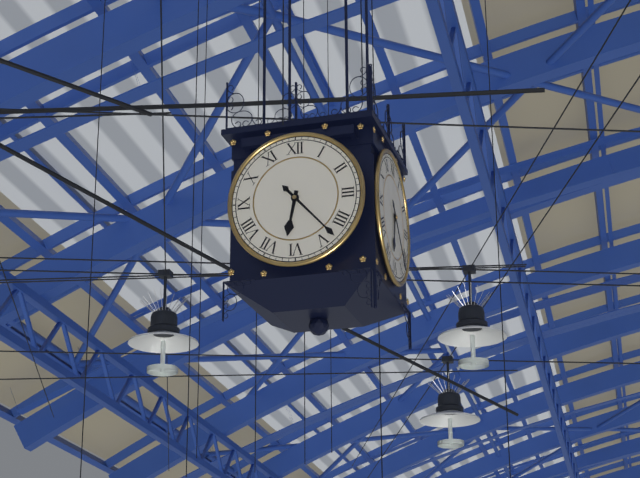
6:23
